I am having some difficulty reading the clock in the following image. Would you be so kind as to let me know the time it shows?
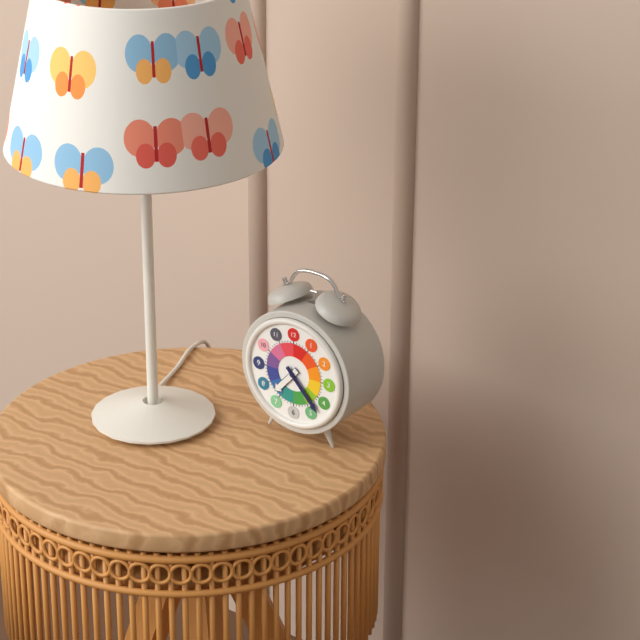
7:23
